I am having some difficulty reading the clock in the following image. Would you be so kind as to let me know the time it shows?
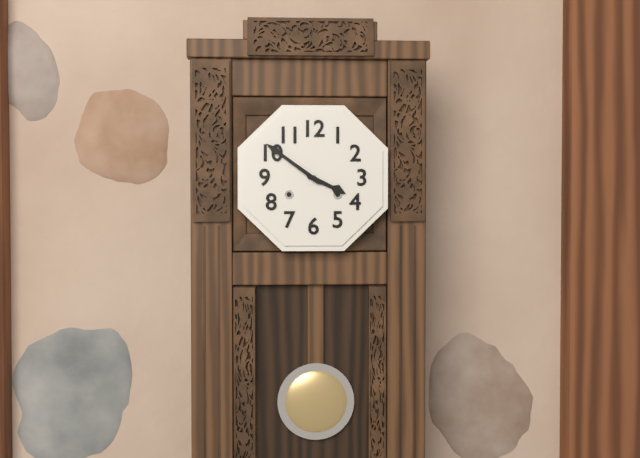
3:51
